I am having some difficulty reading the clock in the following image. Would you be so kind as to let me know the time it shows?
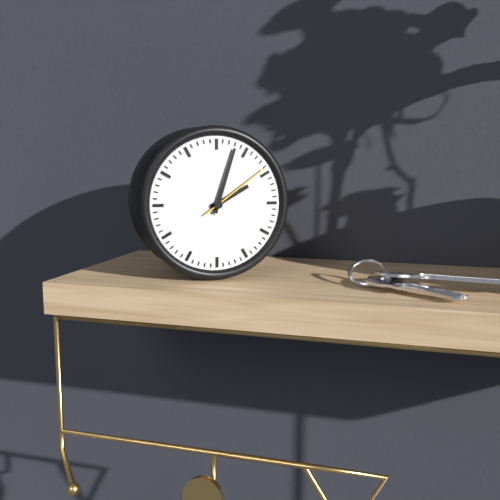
2:03:09
